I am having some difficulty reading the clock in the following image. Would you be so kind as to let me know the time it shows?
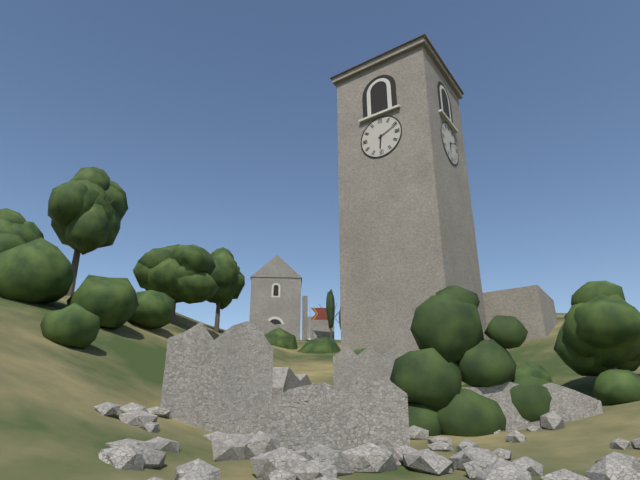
6:11
